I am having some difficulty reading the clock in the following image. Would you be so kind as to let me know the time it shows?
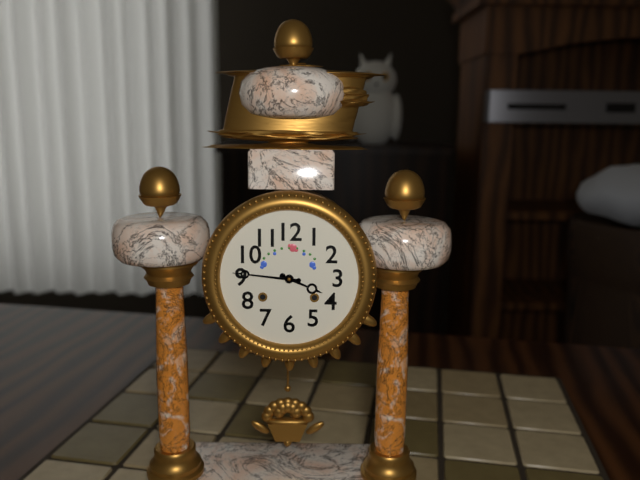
3:46
